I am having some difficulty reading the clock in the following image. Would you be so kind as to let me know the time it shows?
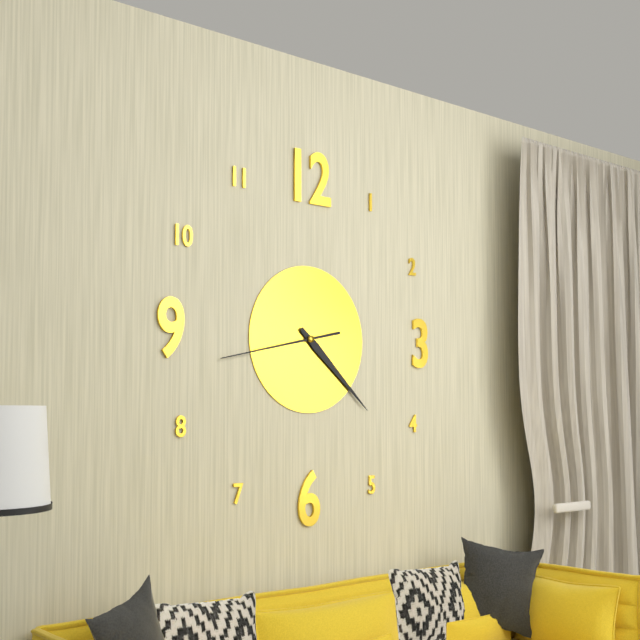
4:22:43
